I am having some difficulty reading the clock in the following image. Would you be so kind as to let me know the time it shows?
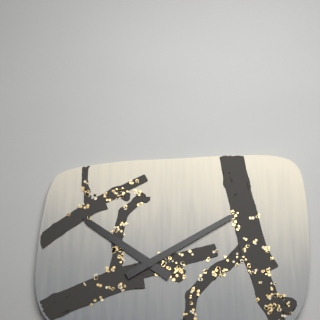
10:10
